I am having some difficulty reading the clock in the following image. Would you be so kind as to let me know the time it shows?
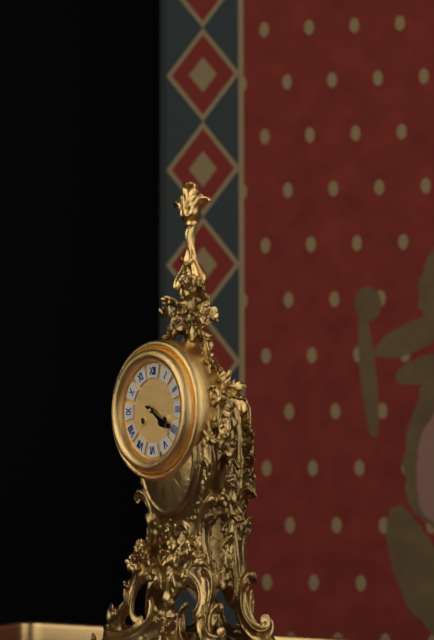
4:20
